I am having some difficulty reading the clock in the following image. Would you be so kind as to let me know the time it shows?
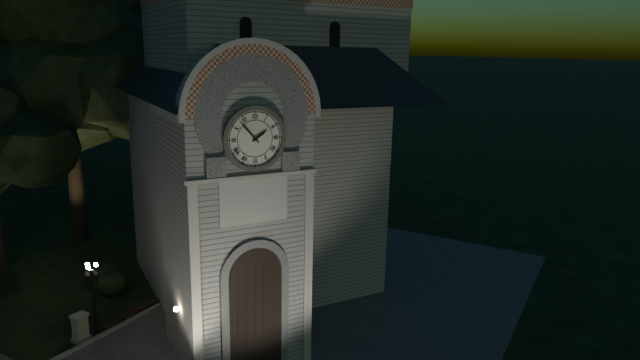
1:53
